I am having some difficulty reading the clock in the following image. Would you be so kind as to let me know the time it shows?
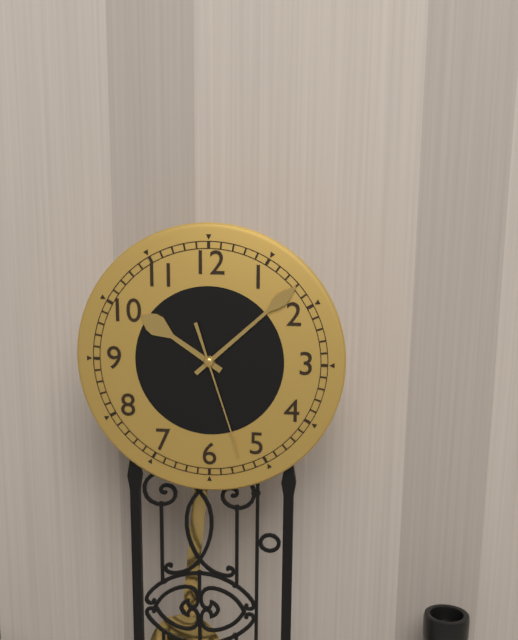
10:08:27
